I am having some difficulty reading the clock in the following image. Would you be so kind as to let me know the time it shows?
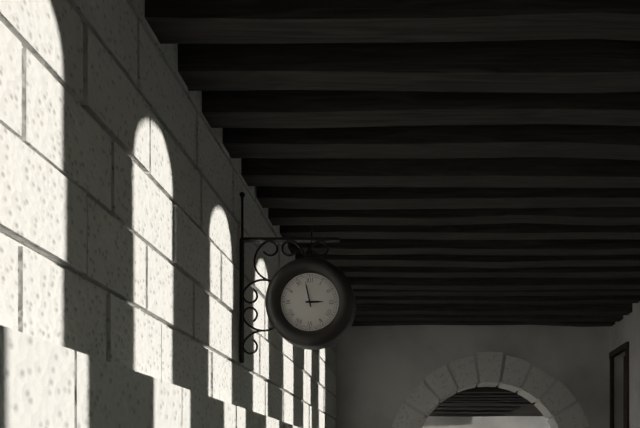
2:58
